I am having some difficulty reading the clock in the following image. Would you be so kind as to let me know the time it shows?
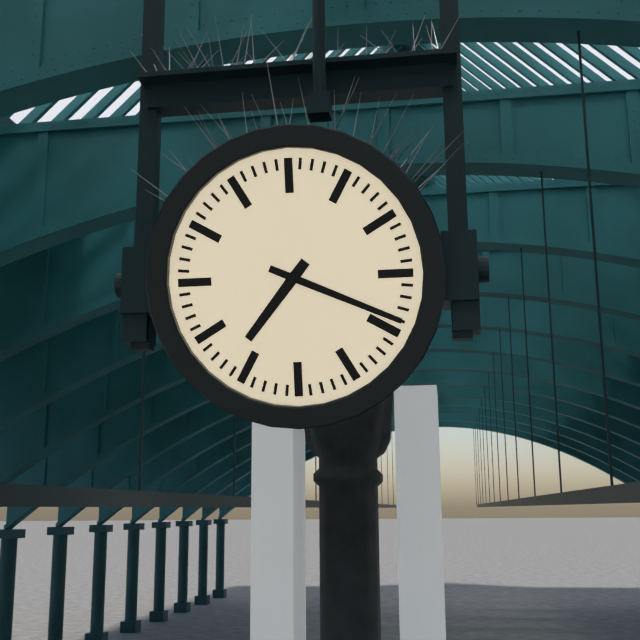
7:19
